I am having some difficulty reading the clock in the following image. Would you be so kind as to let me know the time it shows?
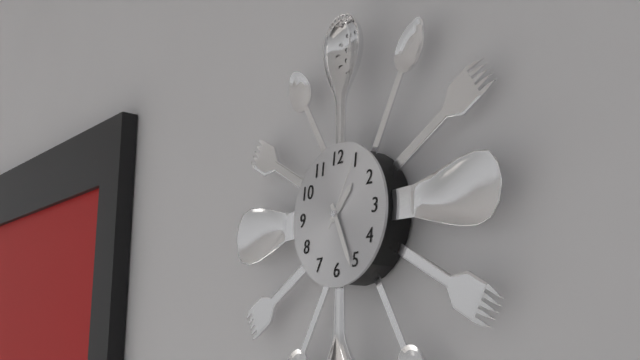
1:26:05
